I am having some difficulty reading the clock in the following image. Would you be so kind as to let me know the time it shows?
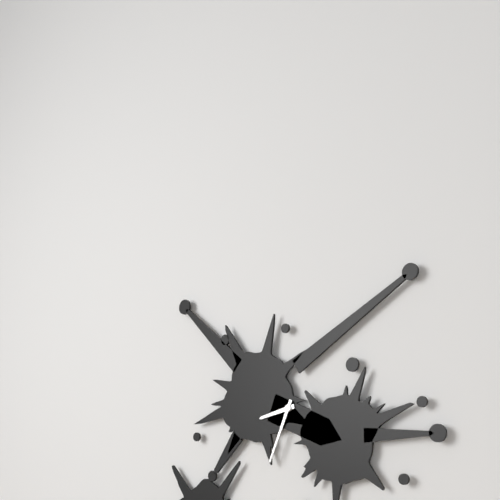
8:34
